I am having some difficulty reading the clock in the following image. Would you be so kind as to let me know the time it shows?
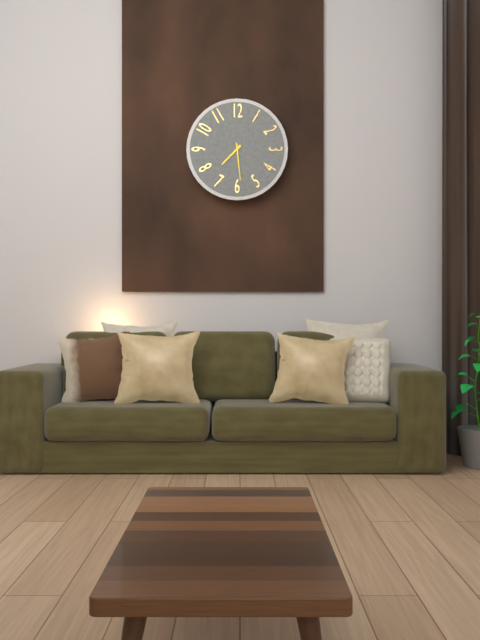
7:29
